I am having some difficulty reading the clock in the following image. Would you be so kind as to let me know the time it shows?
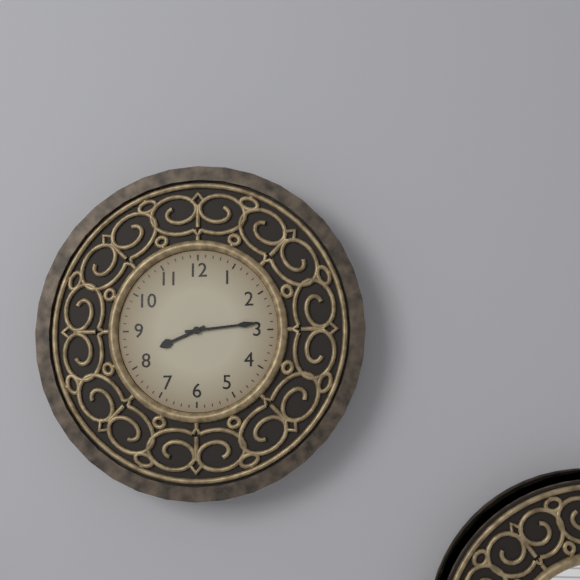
8:14
